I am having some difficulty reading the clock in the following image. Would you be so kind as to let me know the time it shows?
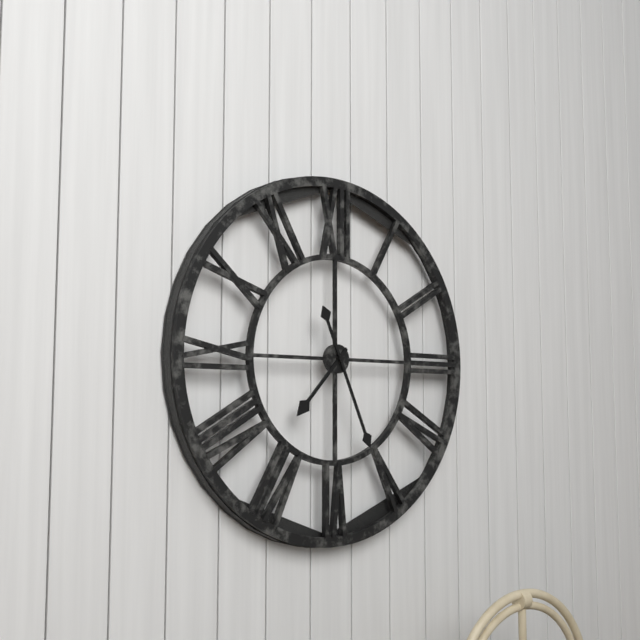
7:26
